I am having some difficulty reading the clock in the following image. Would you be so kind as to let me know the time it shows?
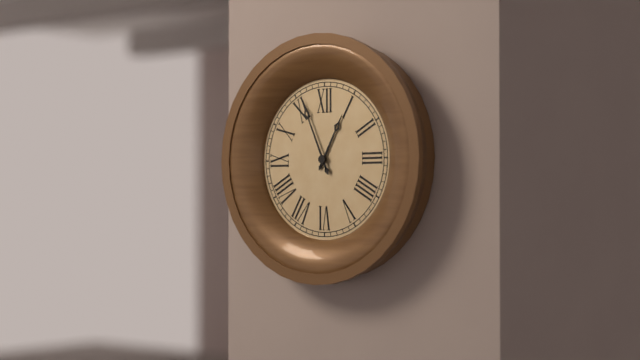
12:56
